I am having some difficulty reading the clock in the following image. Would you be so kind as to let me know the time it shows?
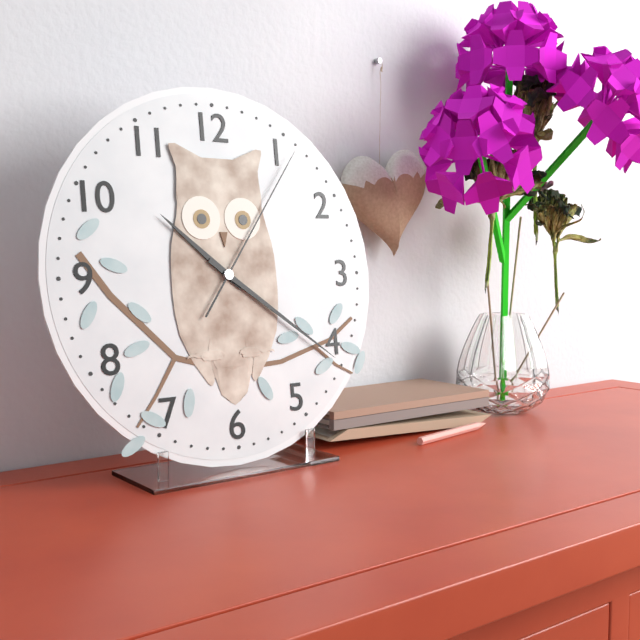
10:21:06
